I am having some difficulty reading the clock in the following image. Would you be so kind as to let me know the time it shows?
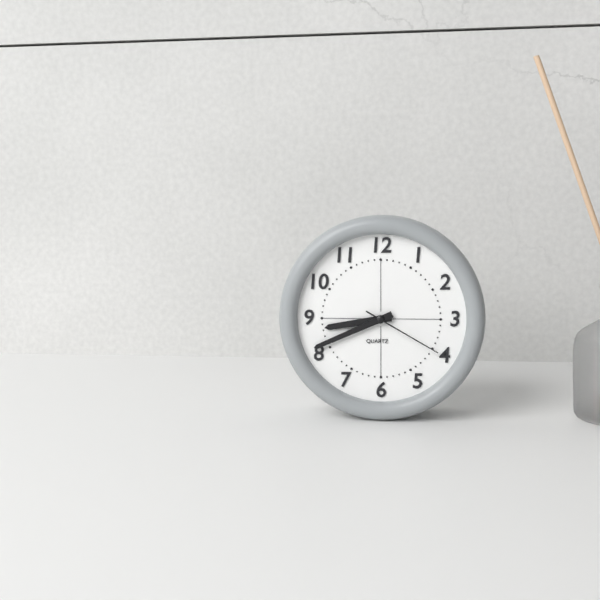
8:41:20
